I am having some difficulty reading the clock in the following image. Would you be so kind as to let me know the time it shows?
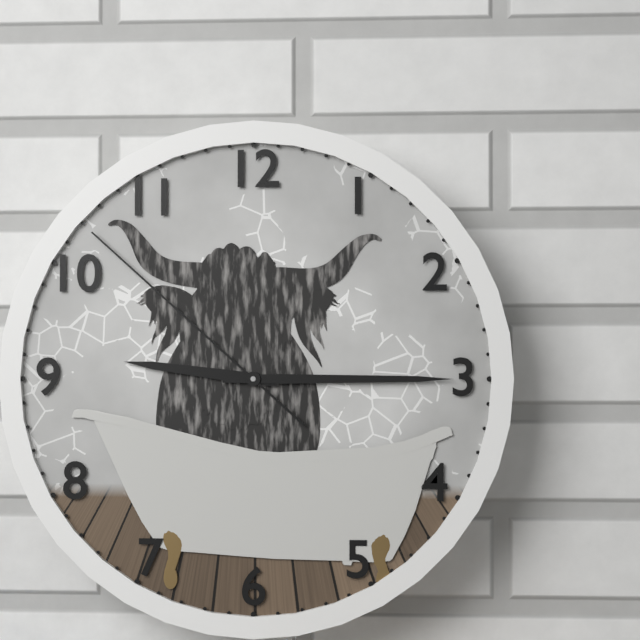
9:15:52
